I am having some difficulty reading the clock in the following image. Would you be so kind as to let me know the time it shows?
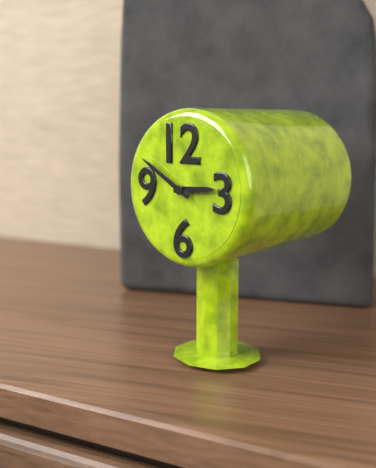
2:50
